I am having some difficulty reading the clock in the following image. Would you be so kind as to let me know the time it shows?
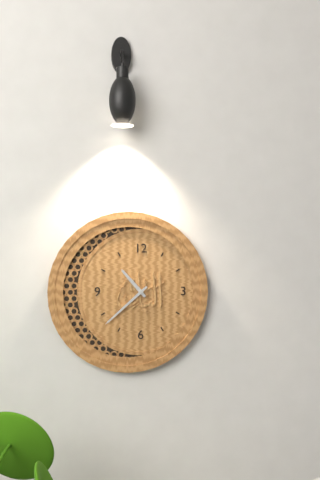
10:38
